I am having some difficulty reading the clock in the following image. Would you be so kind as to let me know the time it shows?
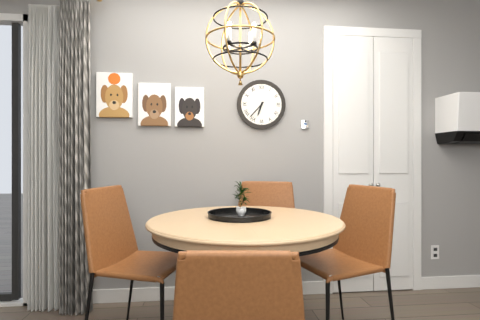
6:37
